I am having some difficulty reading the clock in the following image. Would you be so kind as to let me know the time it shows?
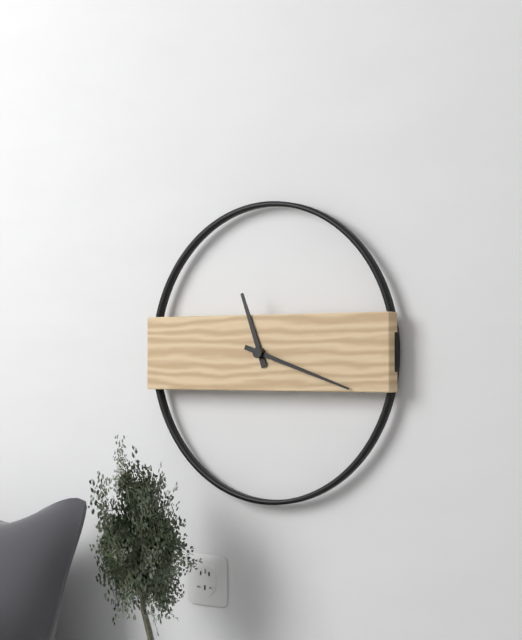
11:18
